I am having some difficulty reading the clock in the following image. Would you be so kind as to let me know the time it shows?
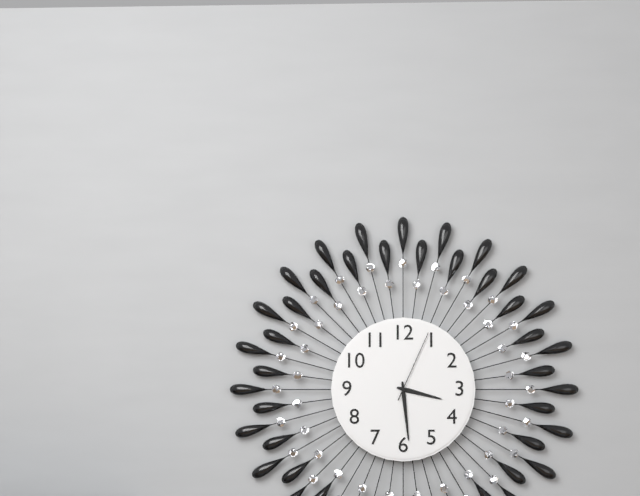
3:29:04
